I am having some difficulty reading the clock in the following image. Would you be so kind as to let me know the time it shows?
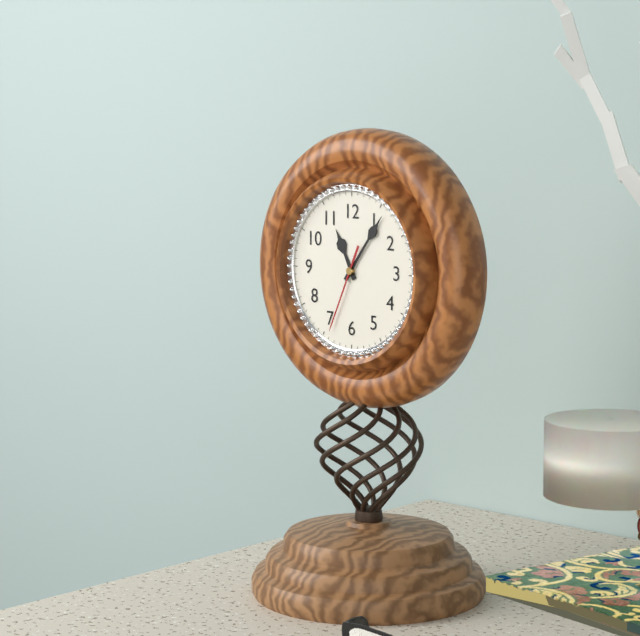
11:06:34
